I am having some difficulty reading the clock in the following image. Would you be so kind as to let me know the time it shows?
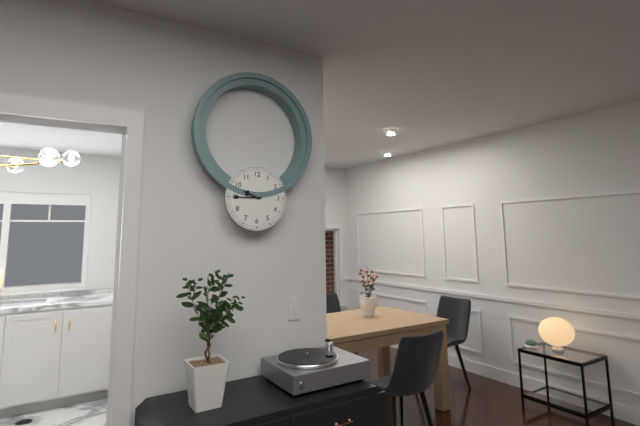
9:45
